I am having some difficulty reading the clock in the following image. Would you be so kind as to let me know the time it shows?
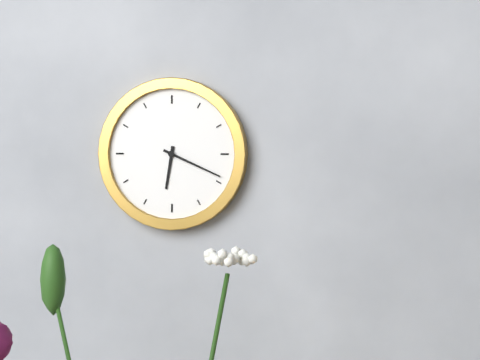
6:19
